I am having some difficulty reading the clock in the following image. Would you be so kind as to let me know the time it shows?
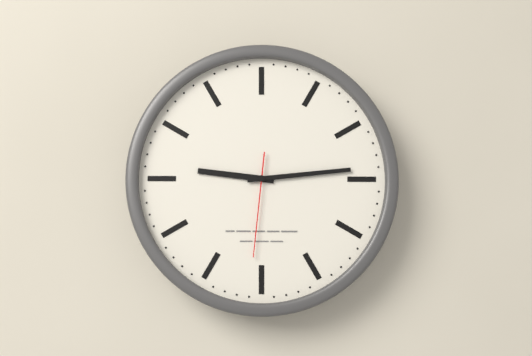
9:14:31
